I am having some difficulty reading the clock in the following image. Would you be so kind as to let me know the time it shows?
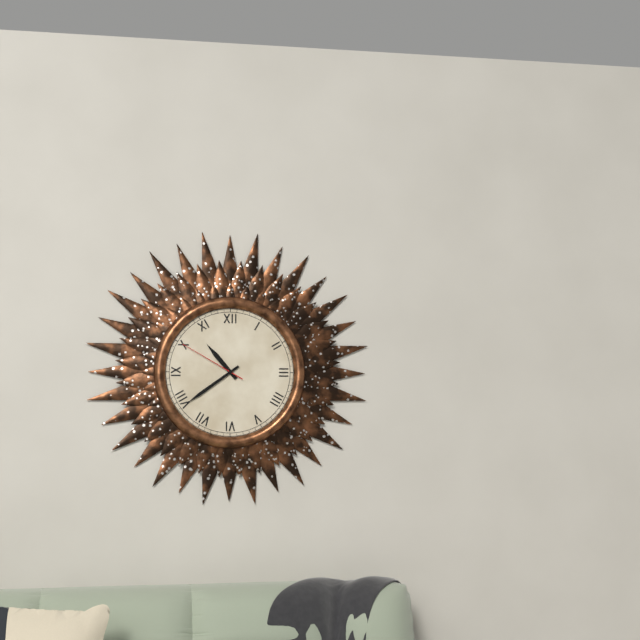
10:39:50
